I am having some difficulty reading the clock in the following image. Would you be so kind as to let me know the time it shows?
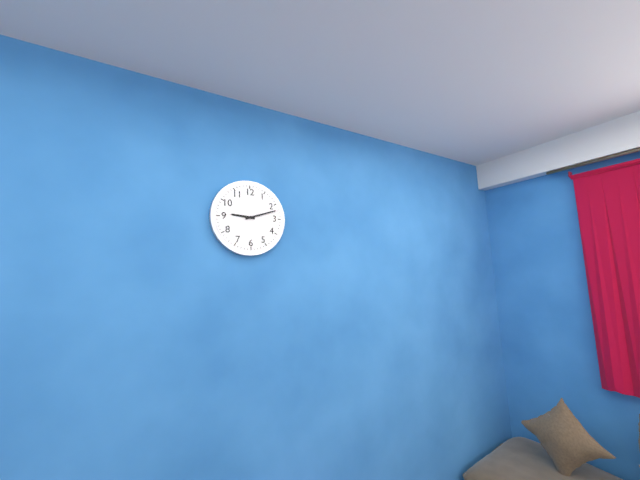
9:12
